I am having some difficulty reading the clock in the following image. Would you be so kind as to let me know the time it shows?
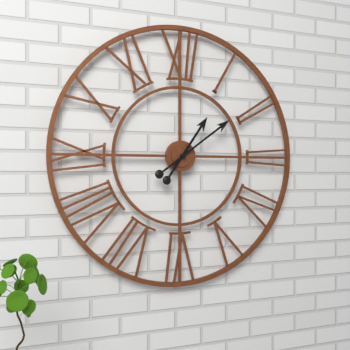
1:09
